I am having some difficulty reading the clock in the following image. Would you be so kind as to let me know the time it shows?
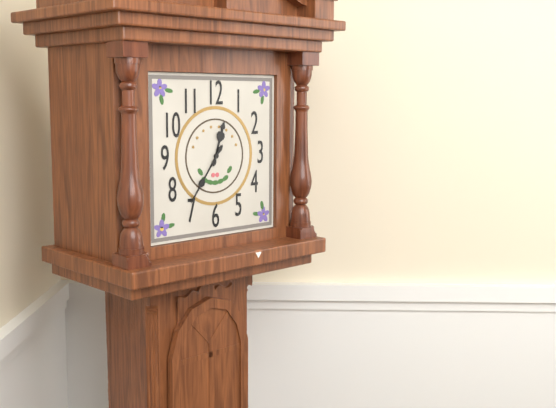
12:36
